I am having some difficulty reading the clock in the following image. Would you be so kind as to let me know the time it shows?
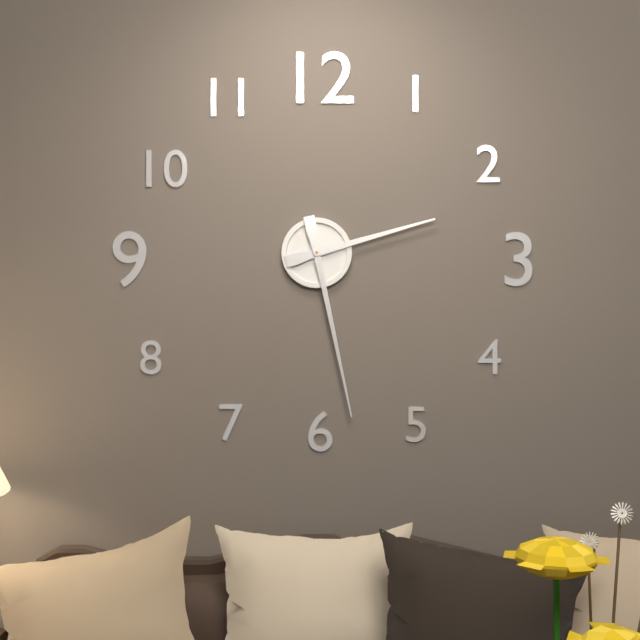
2:28
